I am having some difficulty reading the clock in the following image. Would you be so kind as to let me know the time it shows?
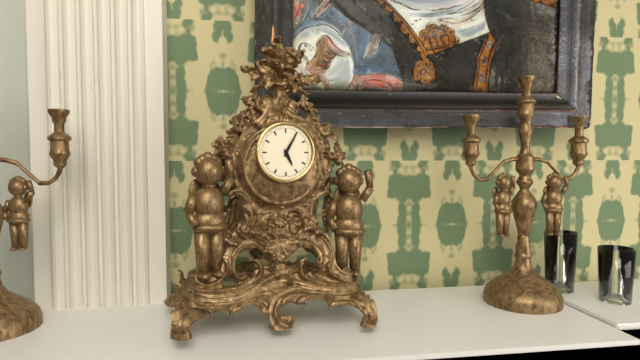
5:05
